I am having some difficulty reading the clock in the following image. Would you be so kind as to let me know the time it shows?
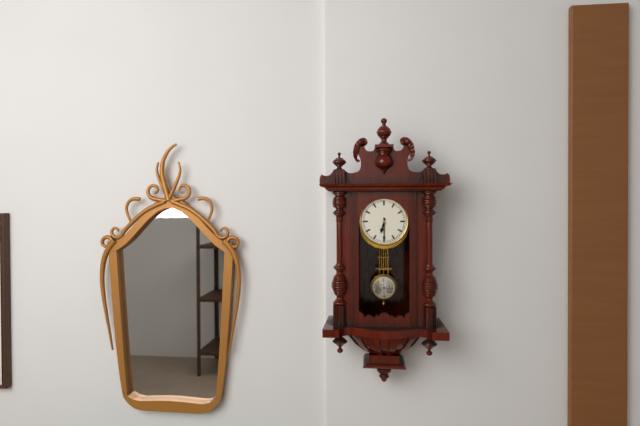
6:30
